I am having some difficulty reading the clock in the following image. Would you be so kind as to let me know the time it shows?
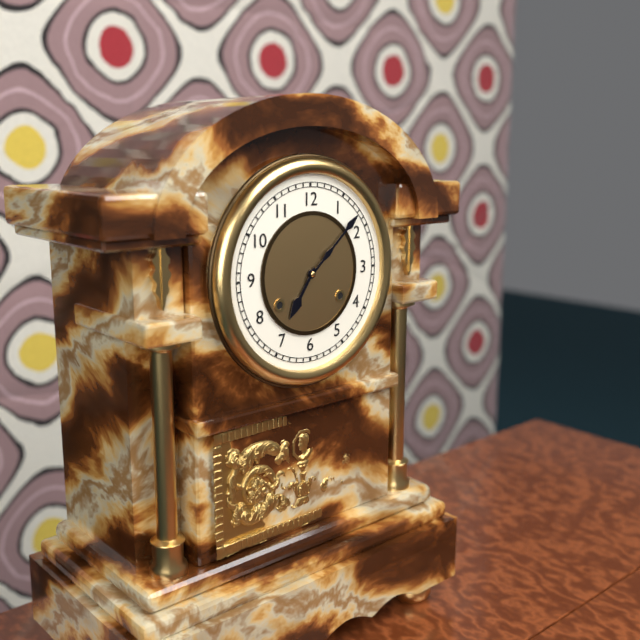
7:08
